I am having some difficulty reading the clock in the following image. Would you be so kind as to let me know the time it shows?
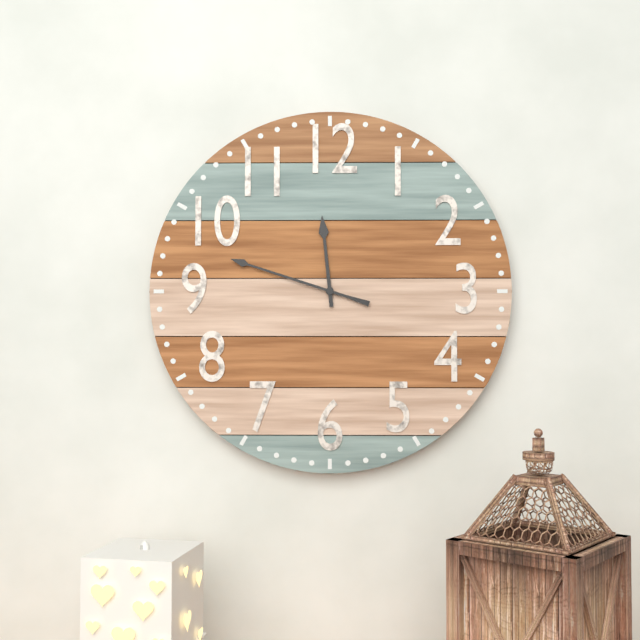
11:48
